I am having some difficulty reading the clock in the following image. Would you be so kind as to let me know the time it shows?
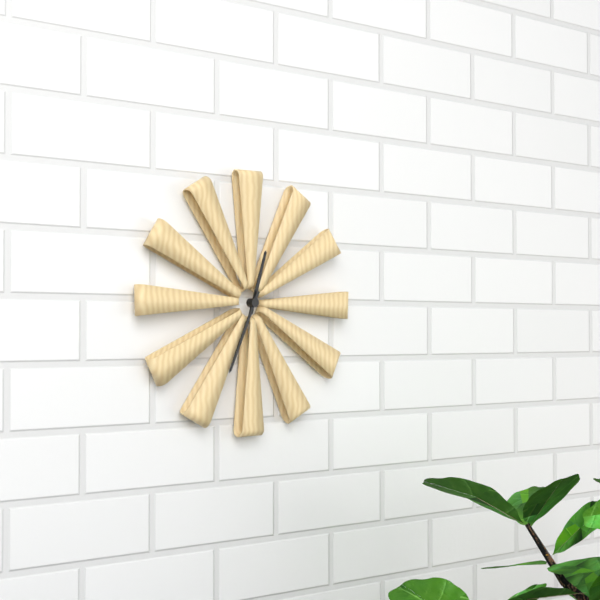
12:34
